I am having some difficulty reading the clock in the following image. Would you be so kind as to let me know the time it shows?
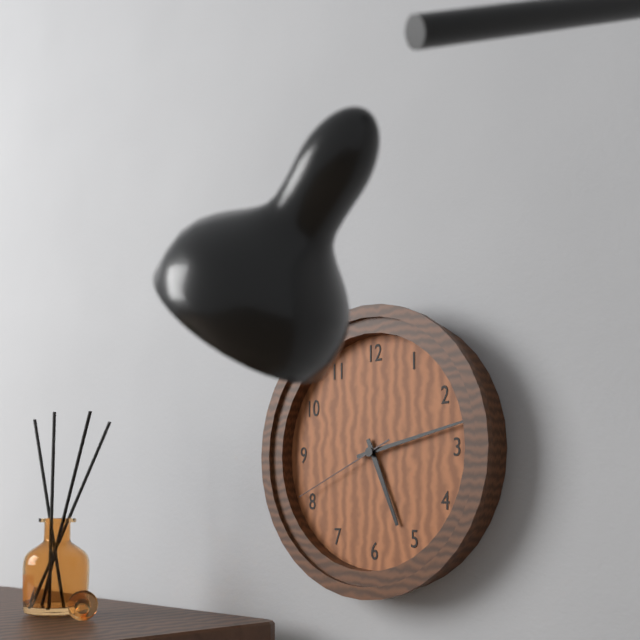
5:13:41
